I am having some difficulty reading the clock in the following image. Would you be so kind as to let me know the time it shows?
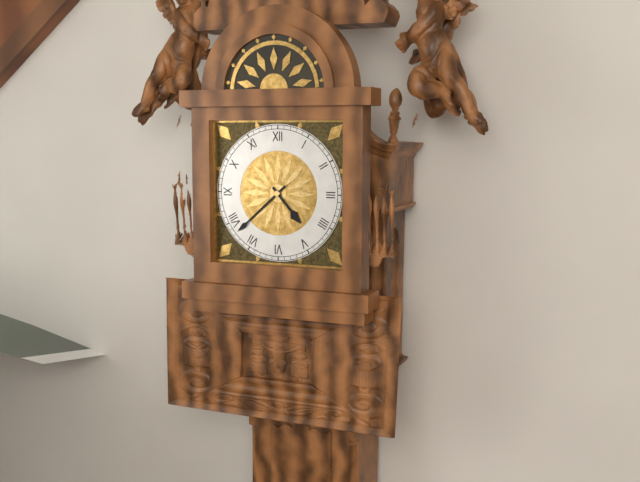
4:38
